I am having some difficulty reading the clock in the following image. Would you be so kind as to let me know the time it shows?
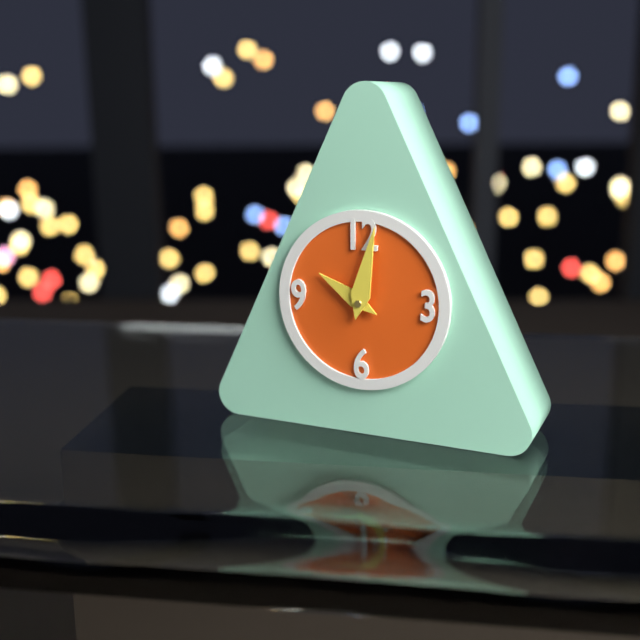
10:02
